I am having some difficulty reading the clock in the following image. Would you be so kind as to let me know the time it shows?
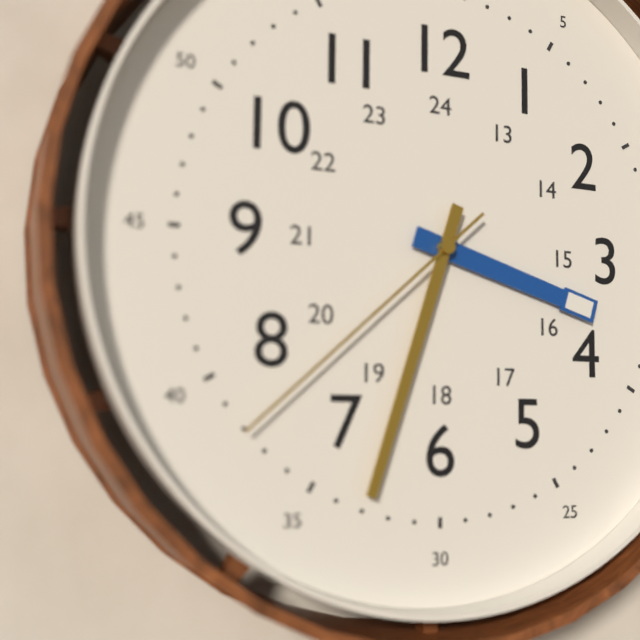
3:33:38
